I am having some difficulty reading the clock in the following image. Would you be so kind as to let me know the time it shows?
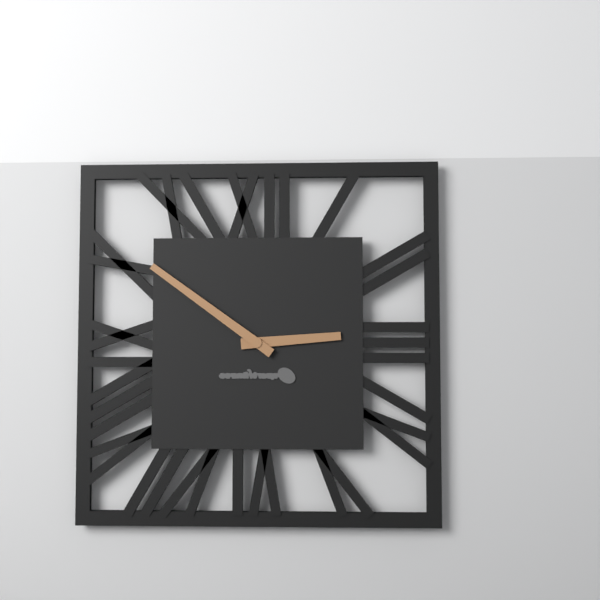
2:51
